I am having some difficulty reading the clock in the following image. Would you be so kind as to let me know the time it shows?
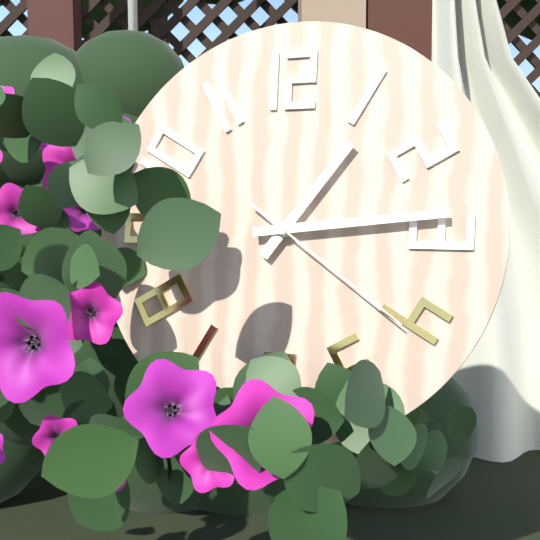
1:14:21
